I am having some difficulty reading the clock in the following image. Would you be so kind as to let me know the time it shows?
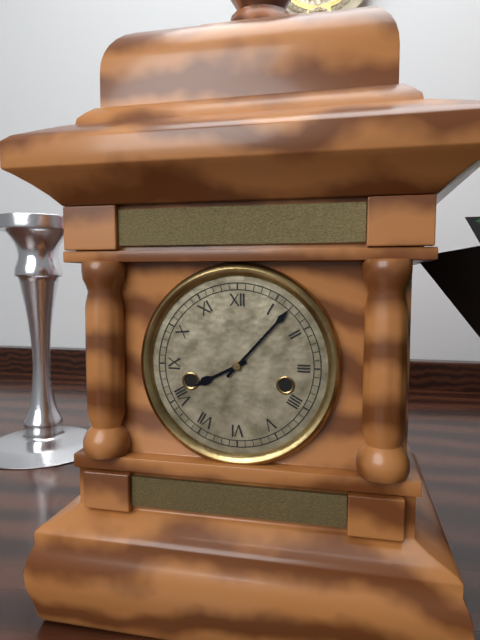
8:07
